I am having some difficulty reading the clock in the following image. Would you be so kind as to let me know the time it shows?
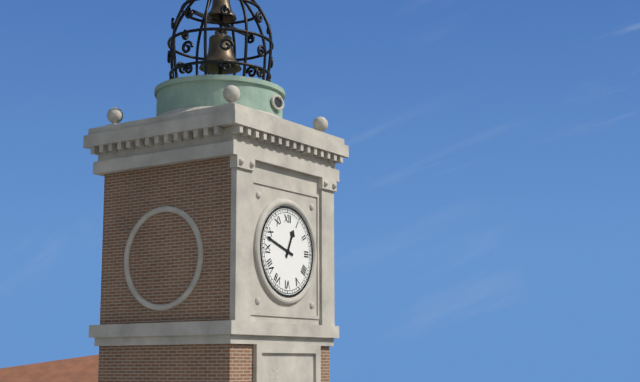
12:48
